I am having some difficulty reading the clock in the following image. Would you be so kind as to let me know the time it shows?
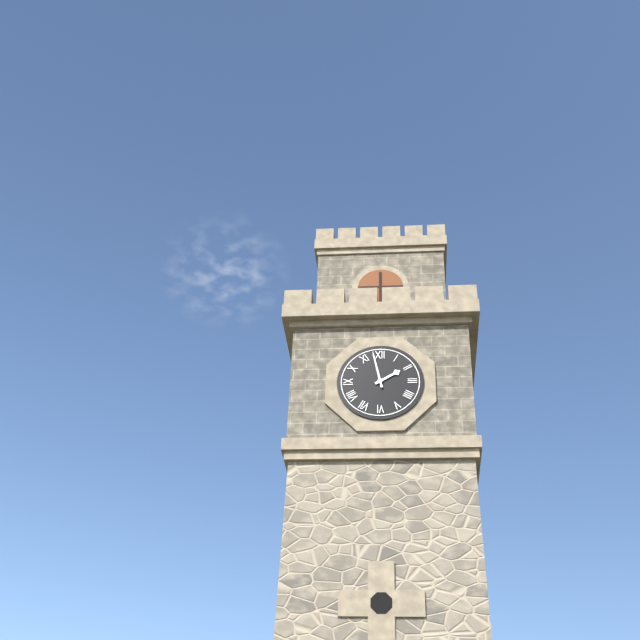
1:58
